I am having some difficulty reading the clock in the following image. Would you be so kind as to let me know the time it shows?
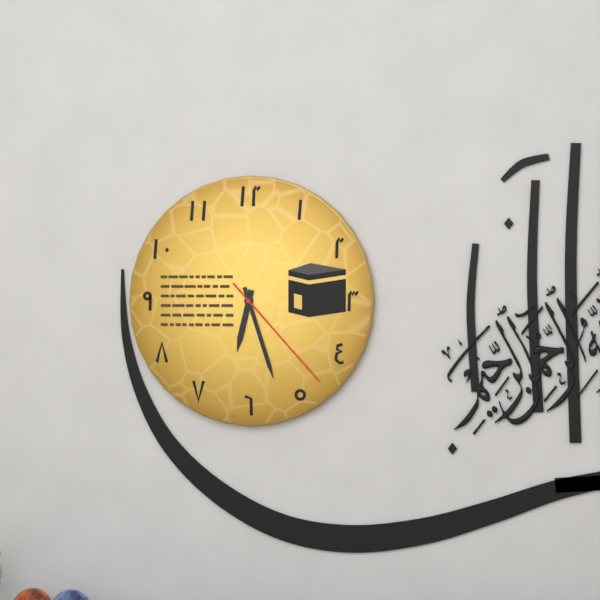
6:27:23
